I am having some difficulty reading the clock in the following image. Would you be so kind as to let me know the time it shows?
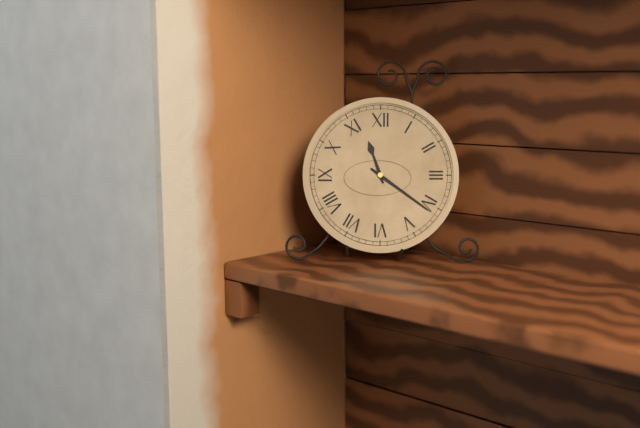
11:21
